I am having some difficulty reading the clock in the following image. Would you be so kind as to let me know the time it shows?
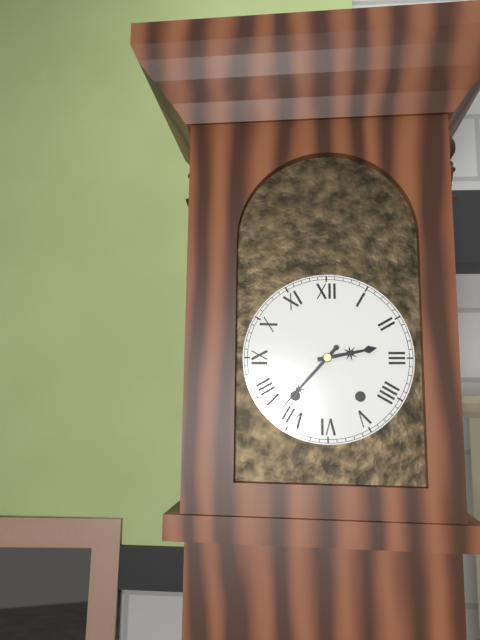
2:37
